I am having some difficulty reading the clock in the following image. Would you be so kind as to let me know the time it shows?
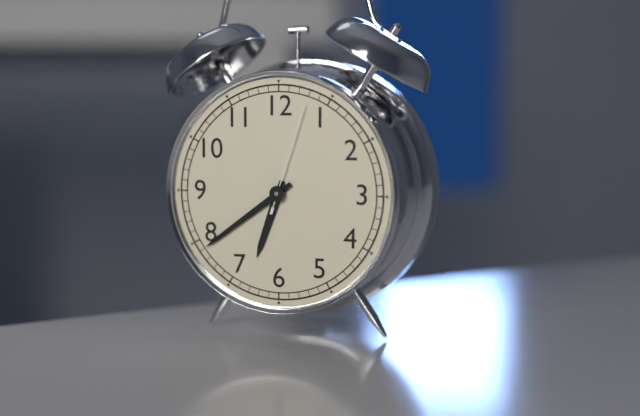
6:39:03
